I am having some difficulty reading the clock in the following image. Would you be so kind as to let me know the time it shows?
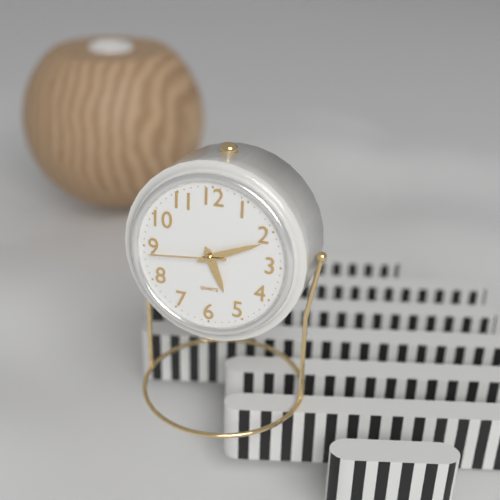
5:11:44
